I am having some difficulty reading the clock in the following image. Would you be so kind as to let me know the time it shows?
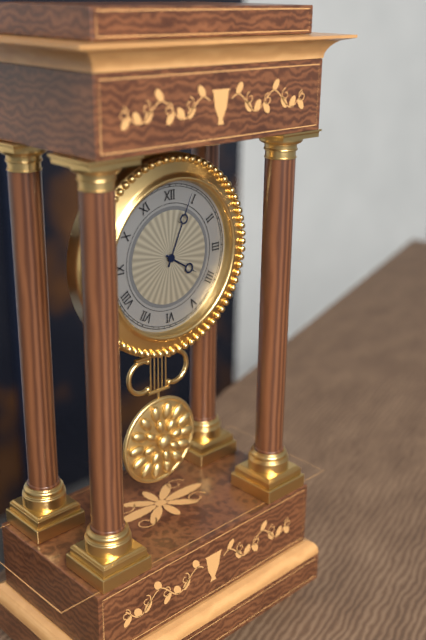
4:04
